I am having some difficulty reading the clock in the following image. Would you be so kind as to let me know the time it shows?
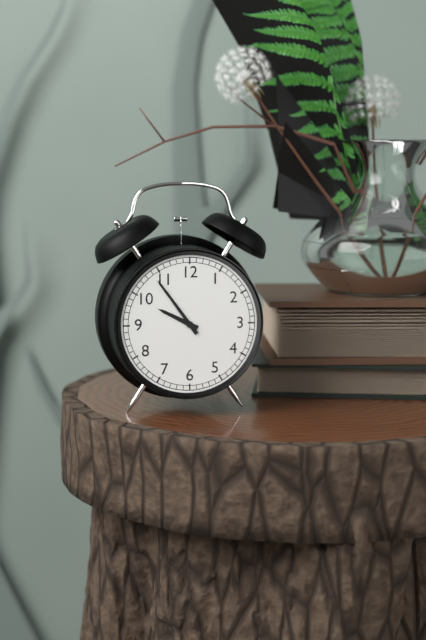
9:54
